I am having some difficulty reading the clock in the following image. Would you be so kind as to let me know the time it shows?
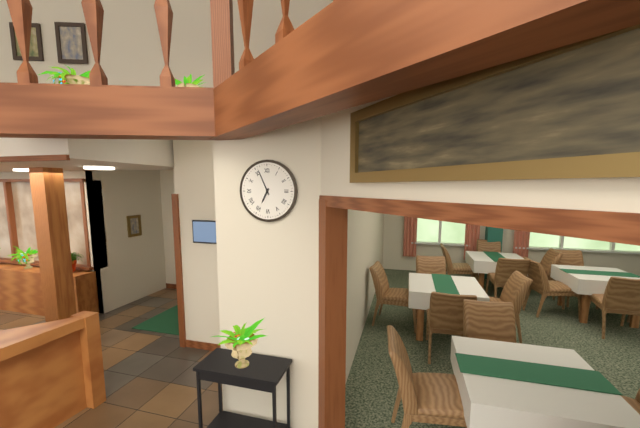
6:56
